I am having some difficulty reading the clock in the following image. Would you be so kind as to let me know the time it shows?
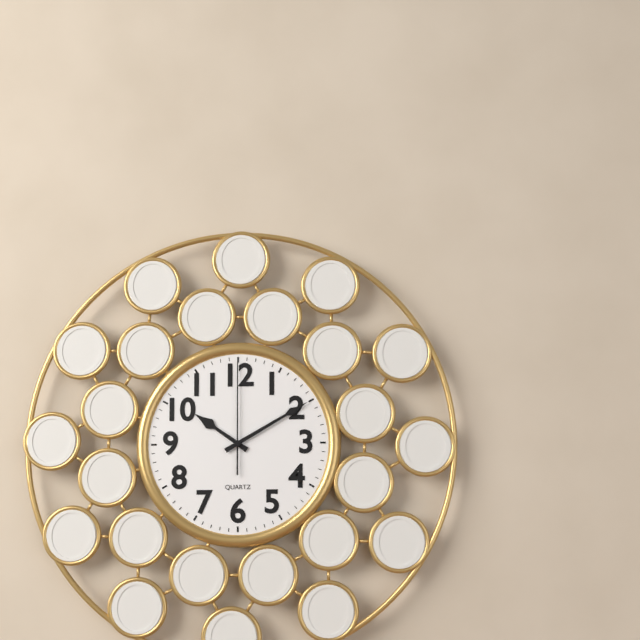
10:10:00
